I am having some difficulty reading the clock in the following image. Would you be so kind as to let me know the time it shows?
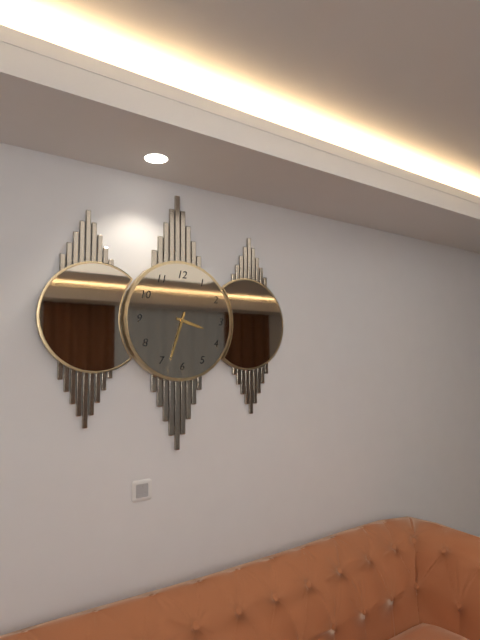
3:33
